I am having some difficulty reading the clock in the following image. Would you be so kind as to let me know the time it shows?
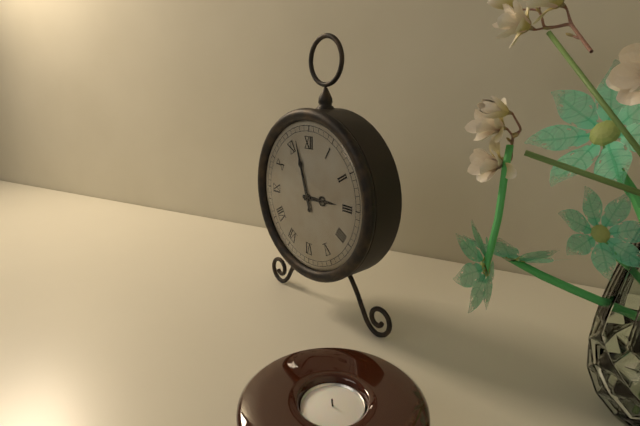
2:57
